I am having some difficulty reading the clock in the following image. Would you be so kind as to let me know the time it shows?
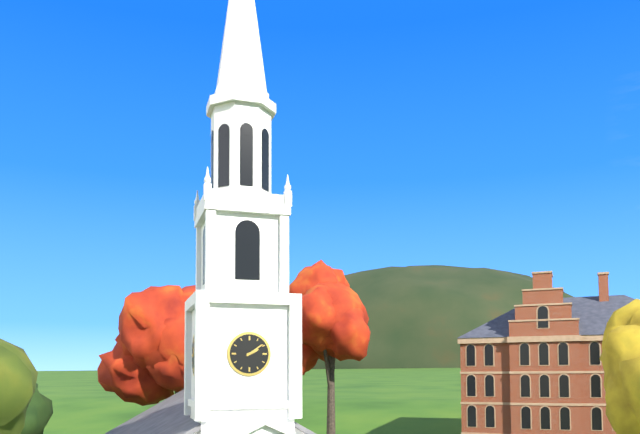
2:09
